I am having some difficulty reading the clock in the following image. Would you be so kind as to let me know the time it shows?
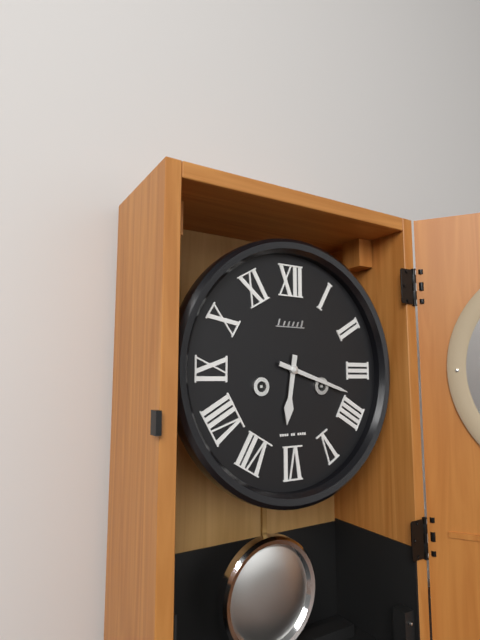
6:18
